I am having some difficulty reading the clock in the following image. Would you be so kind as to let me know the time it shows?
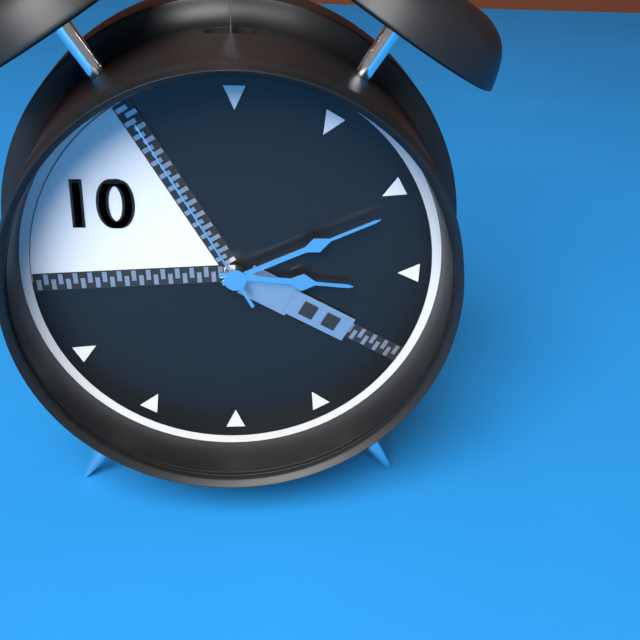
3:11:55
